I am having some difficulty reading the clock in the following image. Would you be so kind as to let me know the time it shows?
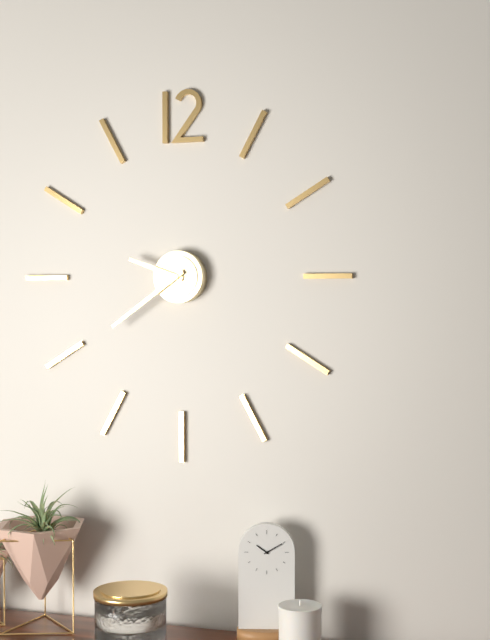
9:39
